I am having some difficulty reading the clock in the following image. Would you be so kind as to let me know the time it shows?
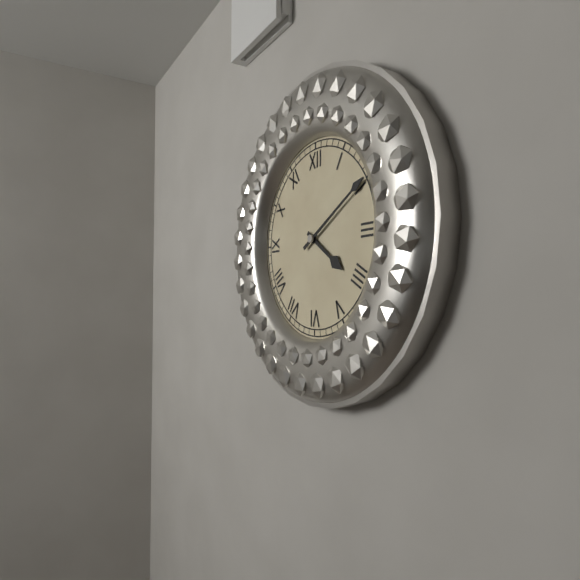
4:10
